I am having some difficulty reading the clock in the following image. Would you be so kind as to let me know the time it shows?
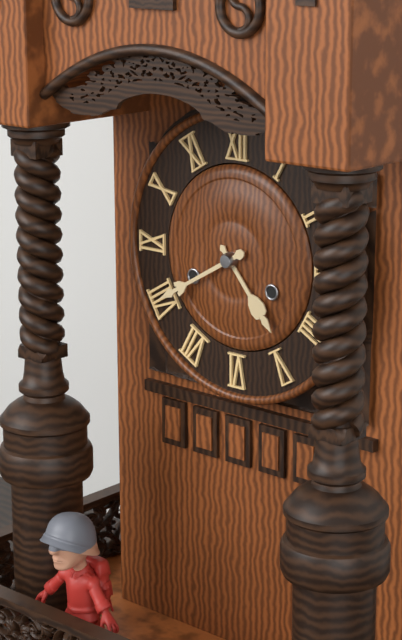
4:40
